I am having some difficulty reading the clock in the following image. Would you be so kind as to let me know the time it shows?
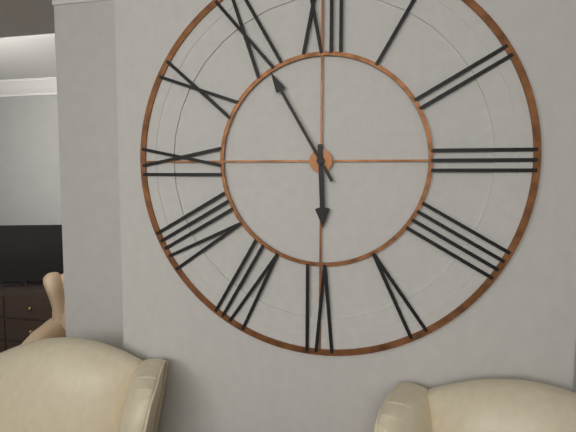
5:55
